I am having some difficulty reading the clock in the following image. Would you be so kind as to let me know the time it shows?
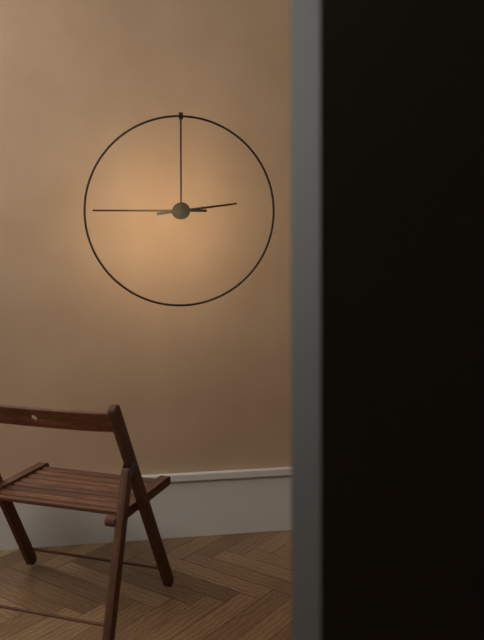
2:45
